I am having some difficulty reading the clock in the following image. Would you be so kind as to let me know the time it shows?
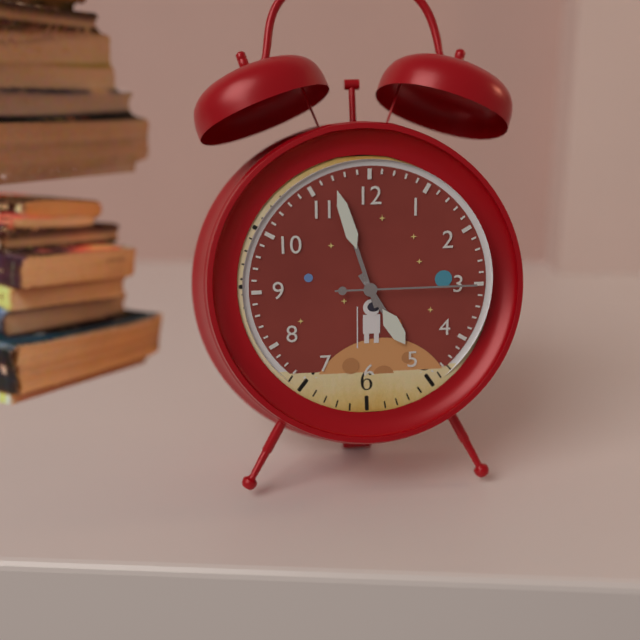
4:57:15
